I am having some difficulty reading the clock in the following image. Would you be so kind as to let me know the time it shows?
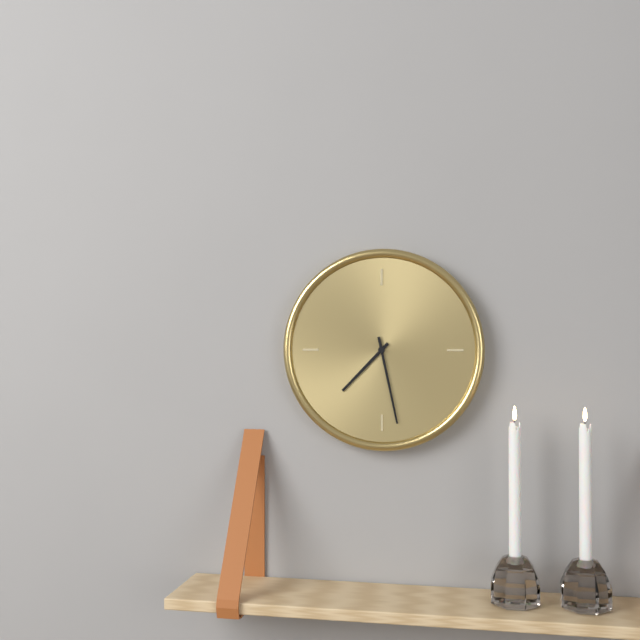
7:28
